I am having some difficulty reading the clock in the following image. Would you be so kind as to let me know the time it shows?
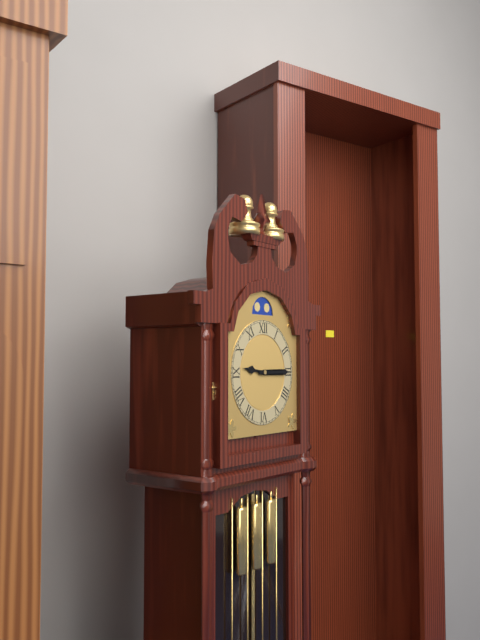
9:15
